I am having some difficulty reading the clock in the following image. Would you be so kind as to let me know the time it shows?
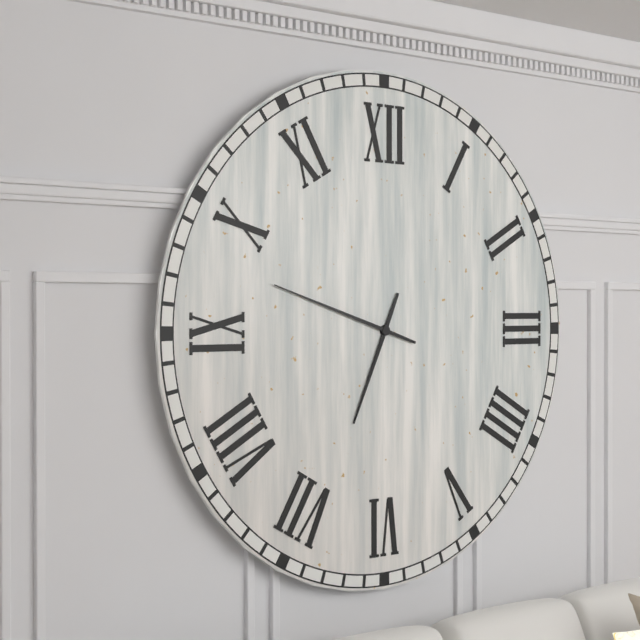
6:48
